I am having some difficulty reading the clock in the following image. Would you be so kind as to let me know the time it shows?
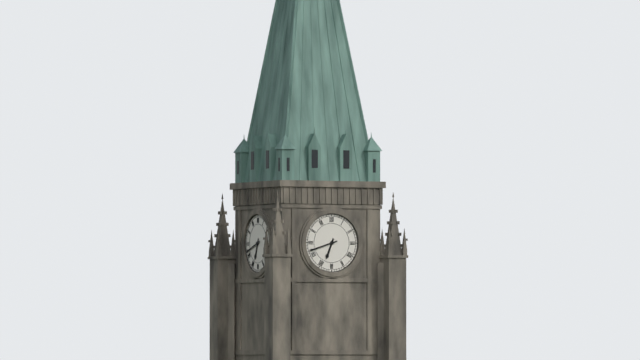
6:42
